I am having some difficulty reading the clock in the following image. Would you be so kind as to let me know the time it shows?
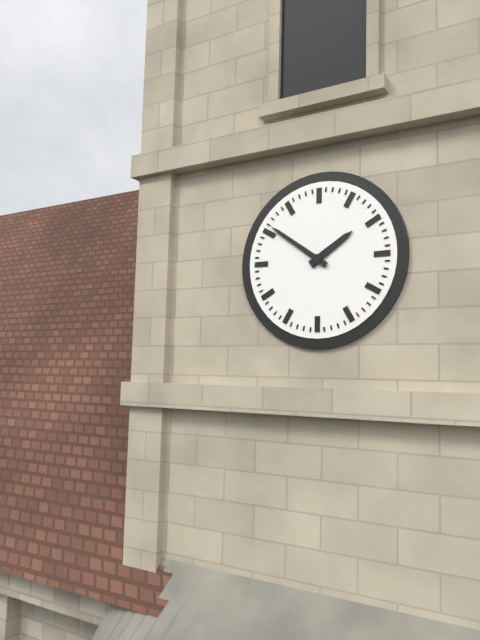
1:51
